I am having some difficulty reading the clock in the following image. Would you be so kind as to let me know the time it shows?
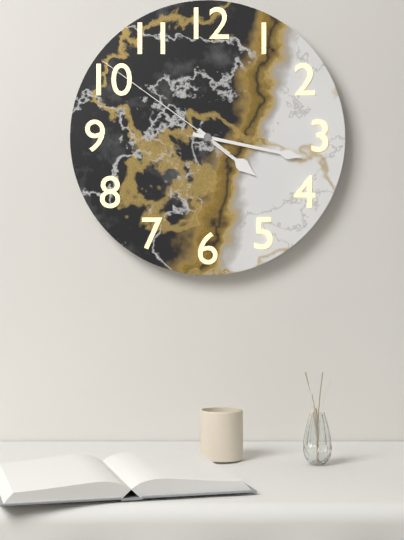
4:17:51
